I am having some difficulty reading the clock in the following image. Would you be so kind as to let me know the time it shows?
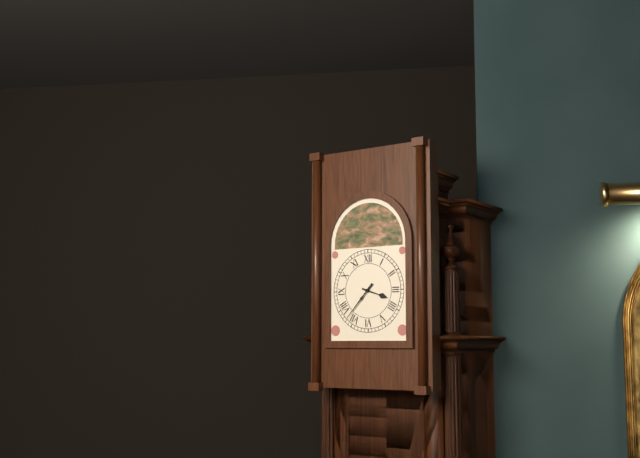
3:37
